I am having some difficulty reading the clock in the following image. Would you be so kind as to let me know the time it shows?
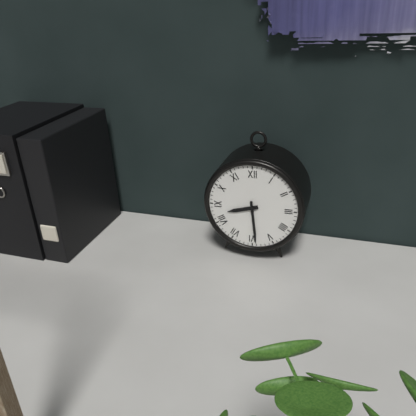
8:29
